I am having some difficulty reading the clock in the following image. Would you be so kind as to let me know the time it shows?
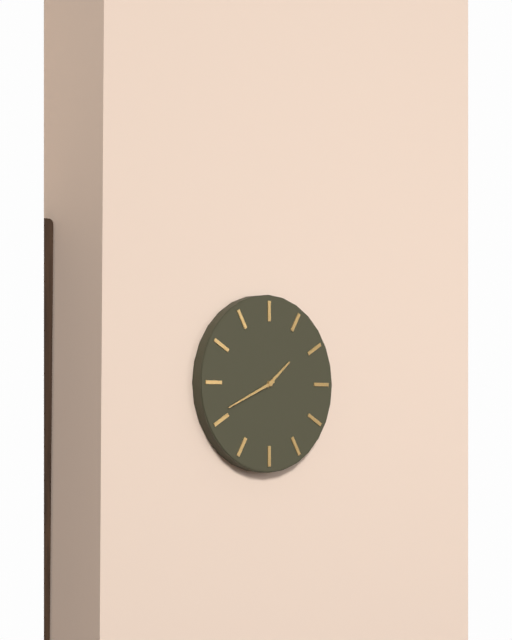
1:41
